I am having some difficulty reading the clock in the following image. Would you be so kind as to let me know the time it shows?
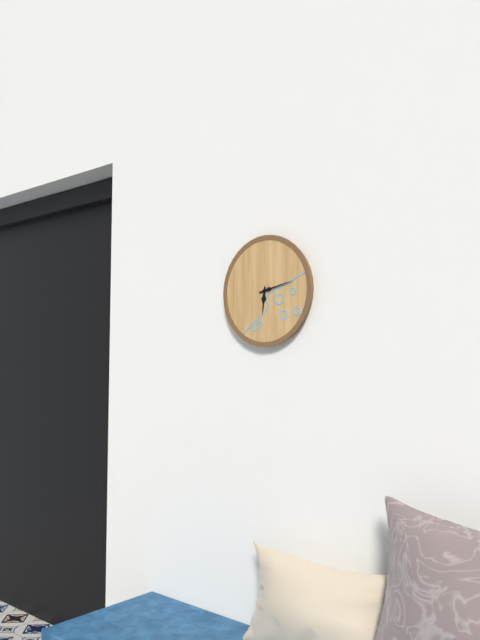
6:13
